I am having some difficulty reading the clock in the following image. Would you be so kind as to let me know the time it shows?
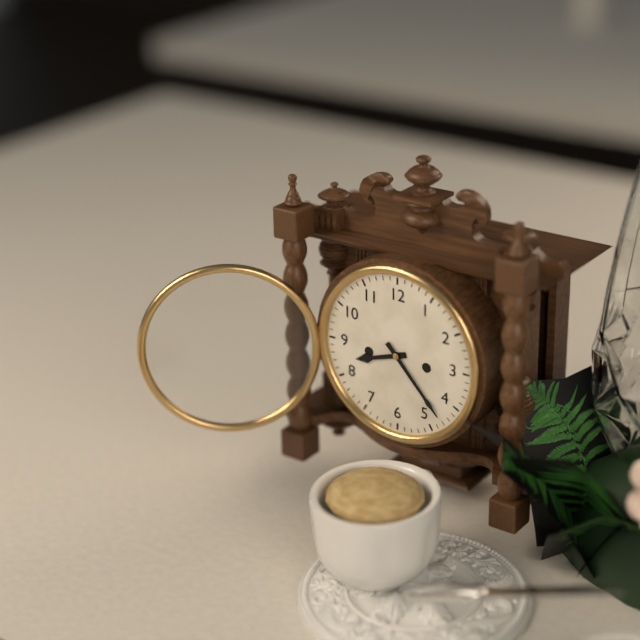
8:23
